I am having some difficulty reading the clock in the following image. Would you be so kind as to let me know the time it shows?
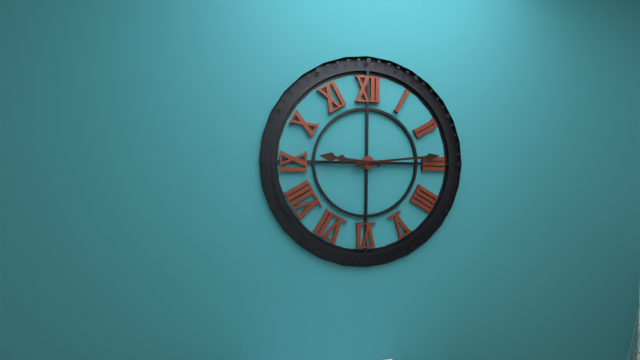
9:14
